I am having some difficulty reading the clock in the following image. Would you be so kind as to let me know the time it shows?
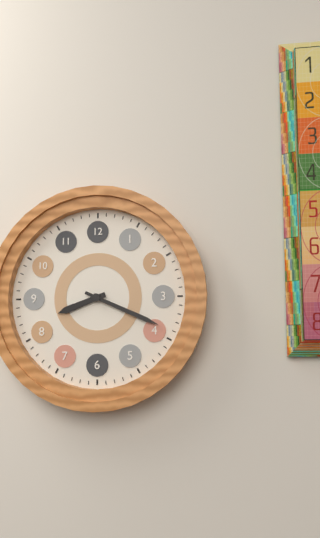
8:19
